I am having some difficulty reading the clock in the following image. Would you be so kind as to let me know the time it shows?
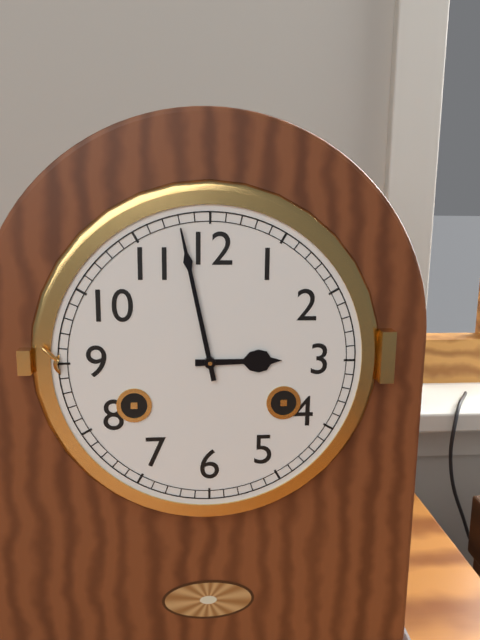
2:58
